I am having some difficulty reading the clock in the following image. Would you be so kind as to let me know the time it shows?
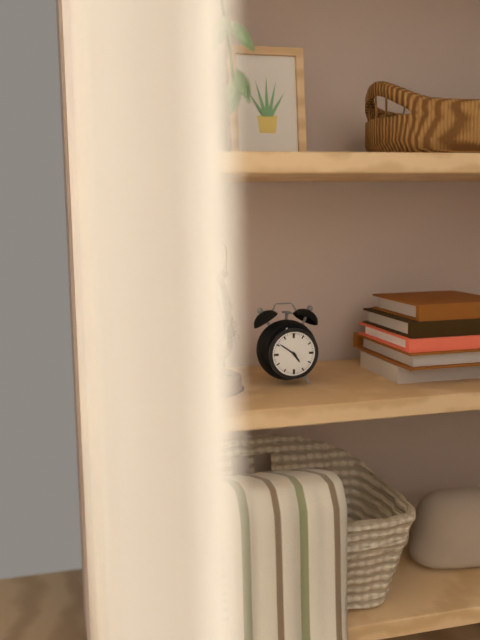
4:51
